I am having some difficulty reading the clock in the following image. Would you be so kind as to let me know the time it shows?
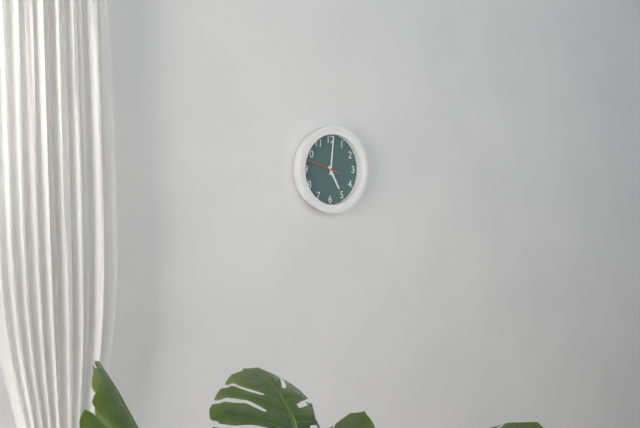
5:01
